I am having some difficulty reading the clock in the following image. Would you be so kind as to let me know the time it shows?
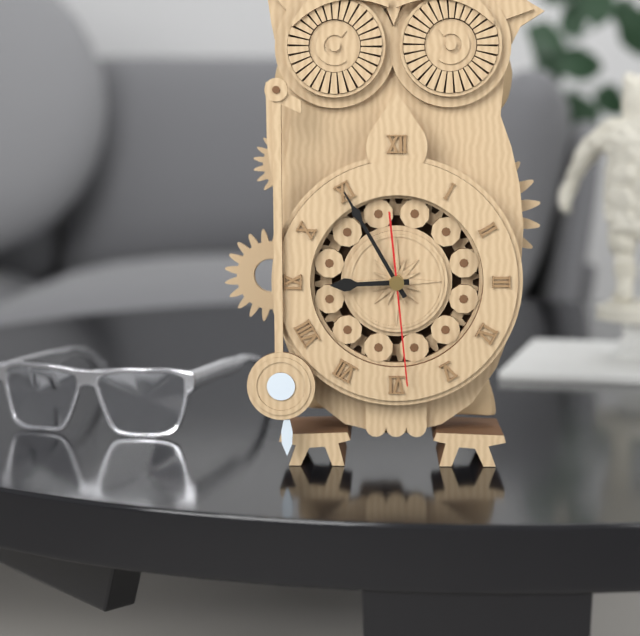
8:55:29
